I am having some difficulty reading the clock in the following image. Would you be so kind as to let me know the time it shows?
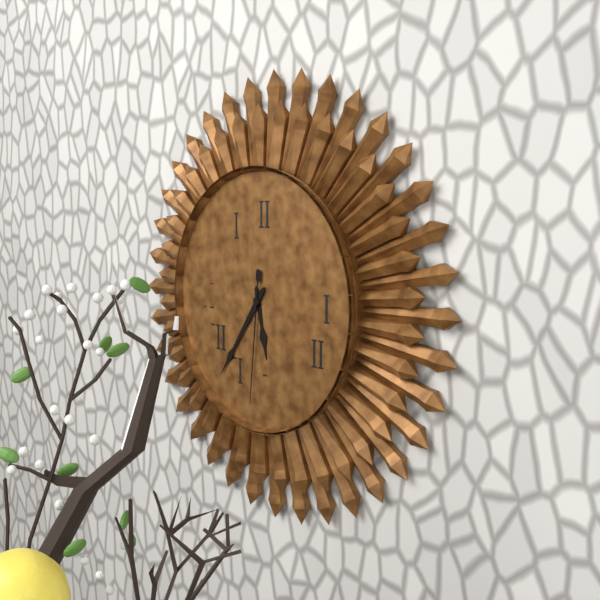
5:36:31
